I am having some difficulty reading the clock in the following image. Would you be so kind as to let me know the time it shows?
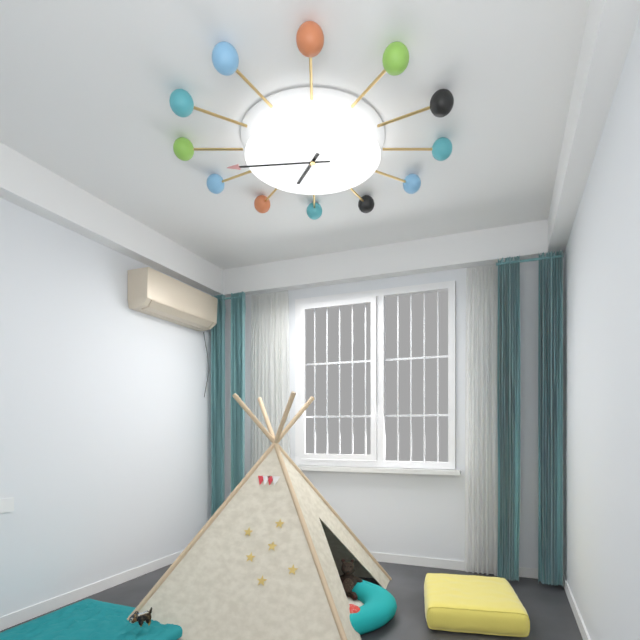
6:44
